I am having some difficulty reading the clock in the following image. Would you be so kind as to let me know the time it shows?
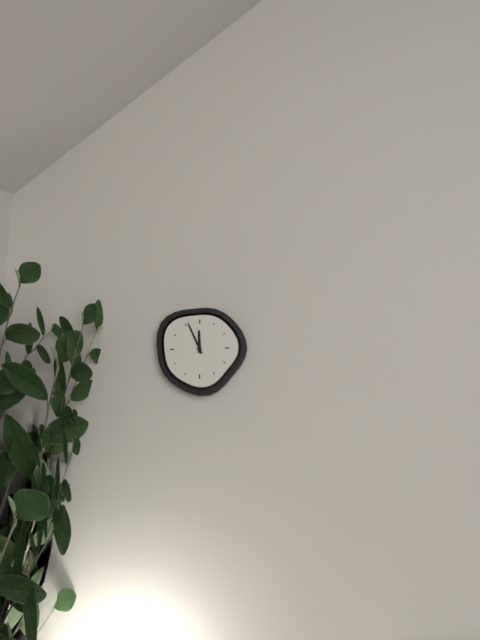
11:56
